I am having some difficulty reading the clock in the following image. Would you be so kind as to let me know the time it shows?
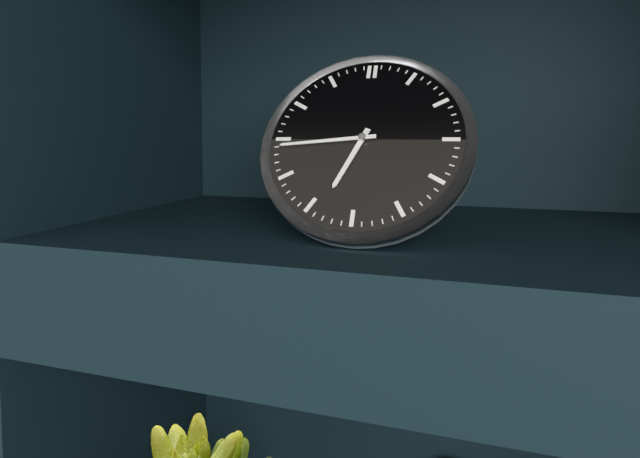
6:44
